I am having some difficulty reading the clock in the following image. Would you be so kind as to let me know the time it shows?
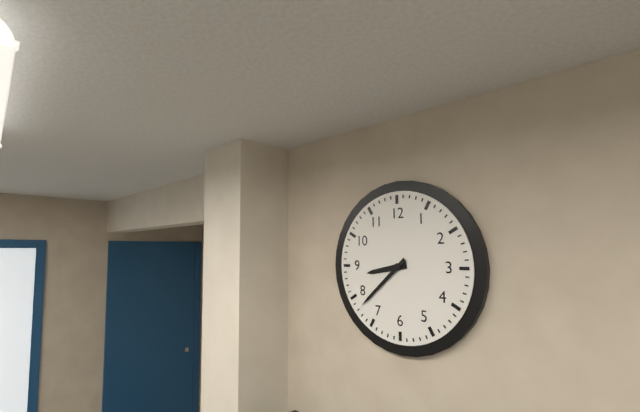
8:38
